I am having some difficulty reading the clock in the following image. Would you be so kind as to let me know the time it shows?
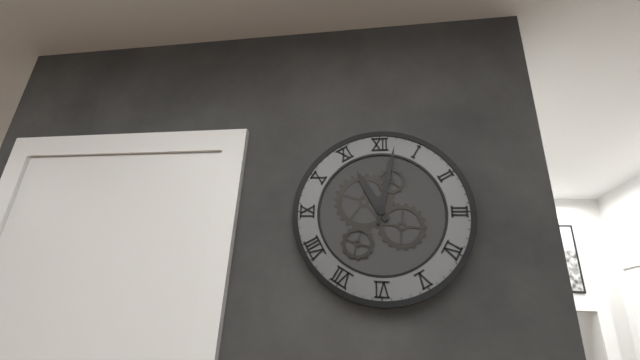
11:02
